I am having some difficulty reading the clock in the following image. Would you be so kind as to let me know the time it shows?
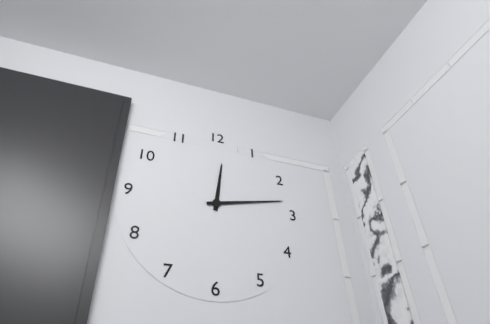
12:13
